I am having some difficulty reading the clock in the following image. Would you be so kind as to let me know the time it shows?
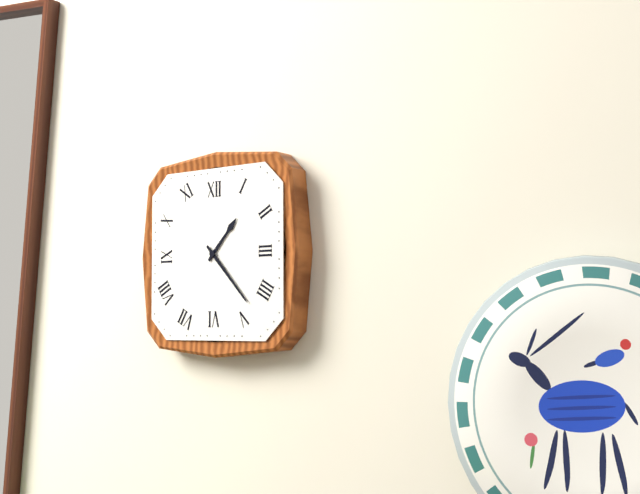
1:23
